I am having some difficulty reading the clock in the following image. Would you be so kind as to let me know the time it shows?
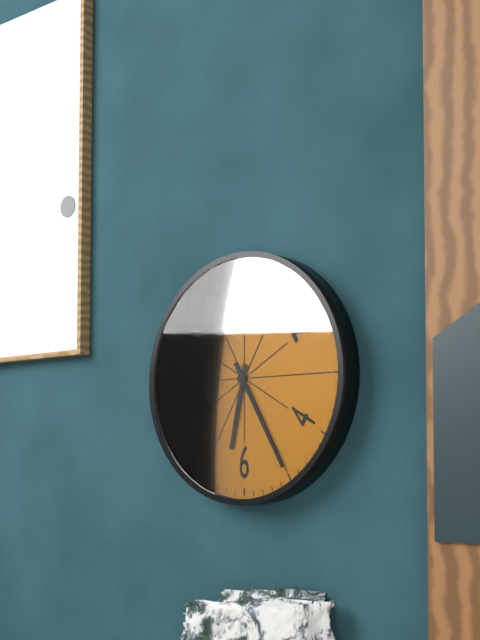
6:25
